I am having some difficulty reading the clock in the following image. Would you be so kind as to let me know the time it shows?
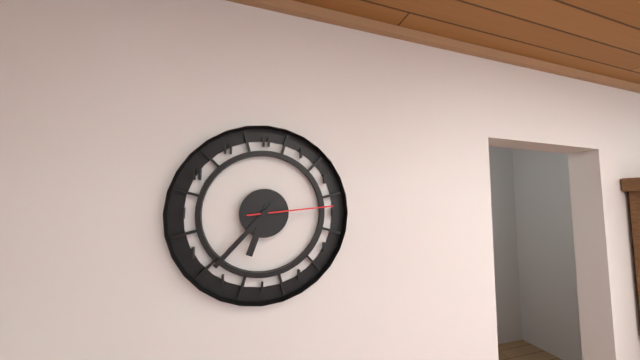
6:37:14
